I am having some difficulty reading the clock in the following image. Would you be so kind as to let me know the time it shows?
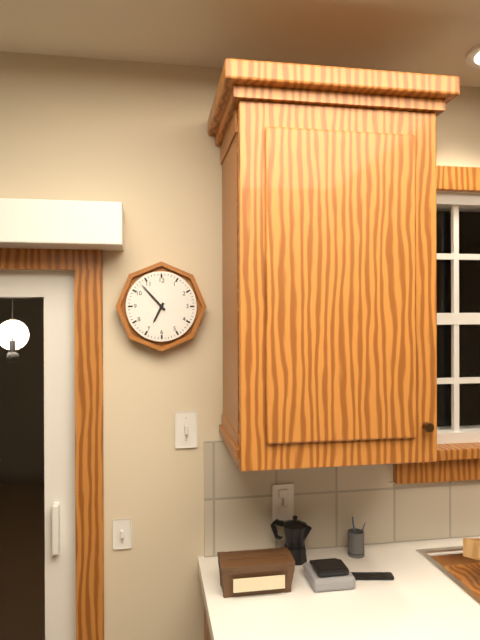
6:53
